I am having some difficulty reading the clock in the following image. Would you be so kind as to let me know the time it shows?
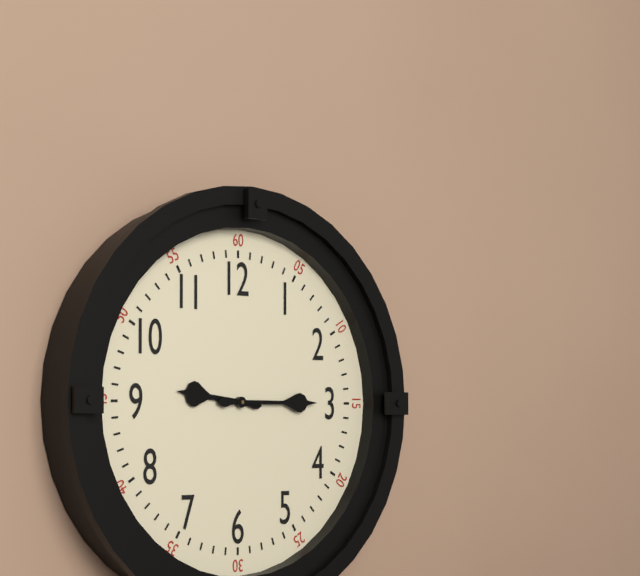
9:15
